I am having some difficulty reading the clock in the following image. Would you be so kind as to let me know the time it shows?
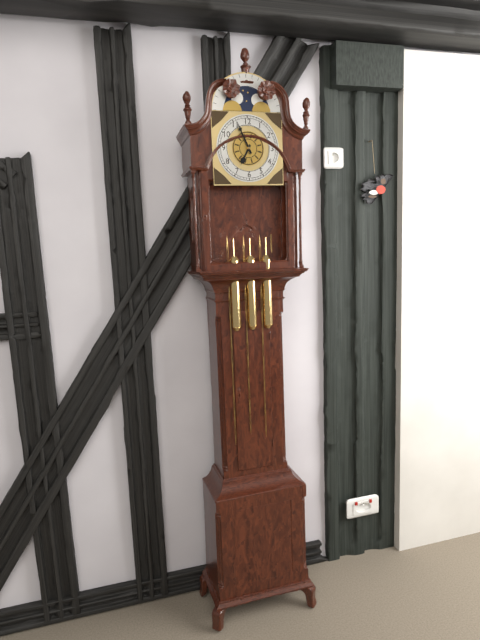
6:56
